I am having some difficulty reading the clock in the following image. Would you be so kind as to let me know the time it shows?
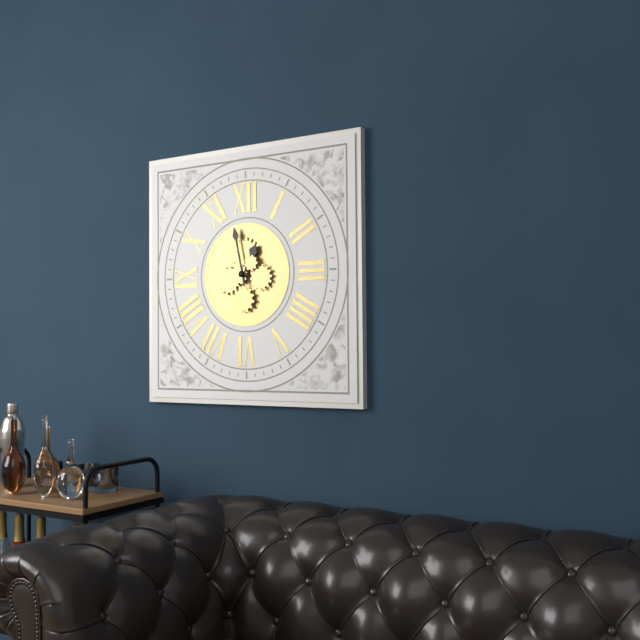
12:58
